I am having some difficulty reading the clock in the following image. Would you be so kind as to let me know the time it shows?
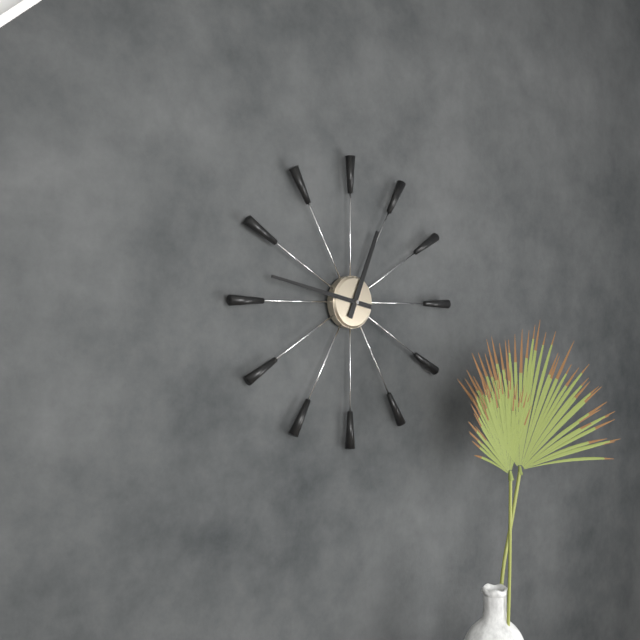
12:47
